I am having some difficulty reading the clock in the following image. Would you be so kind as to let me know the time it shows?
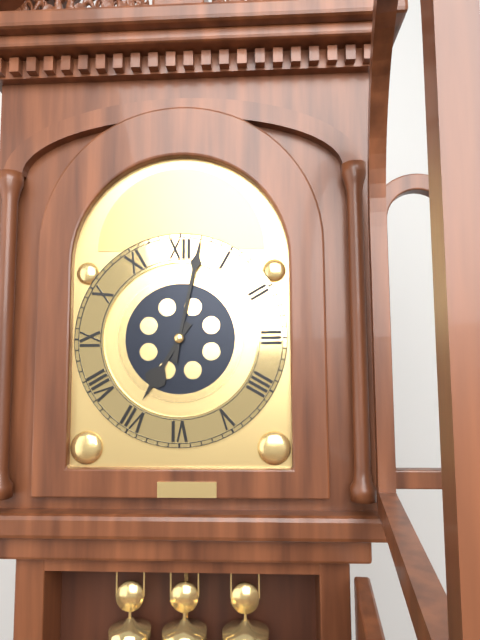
7:02
